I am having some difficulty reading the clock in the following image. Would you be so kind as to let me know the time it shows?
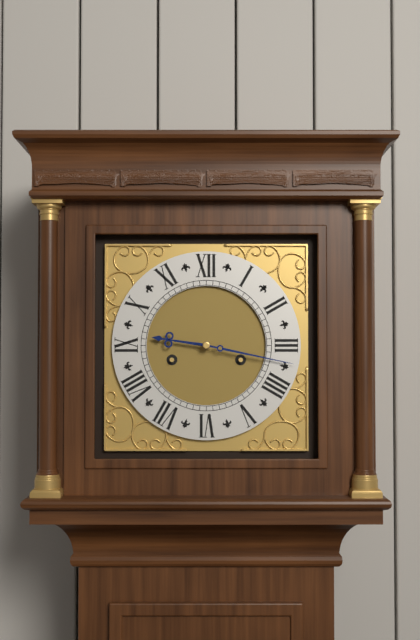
9:17
